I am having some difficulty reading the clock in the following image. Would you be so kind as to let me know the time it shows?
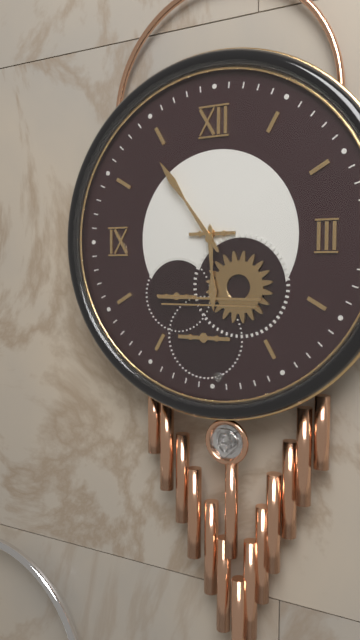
5:54
